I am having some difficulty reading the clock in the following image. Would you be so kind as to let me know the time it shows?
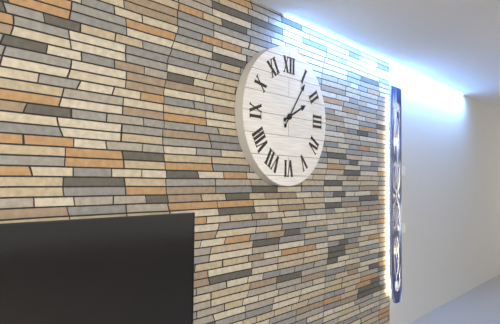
2:06
